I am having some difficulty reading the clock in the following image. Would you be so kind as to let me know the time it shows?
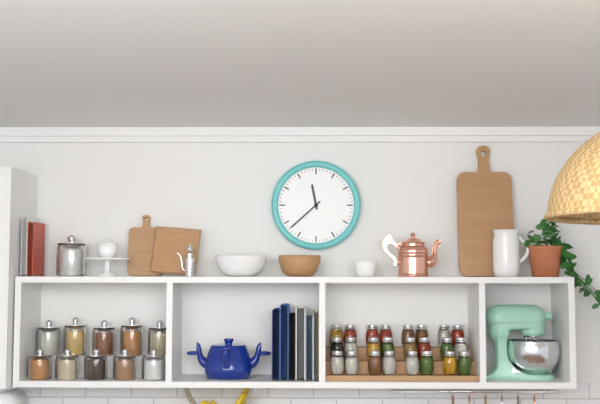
11:38
